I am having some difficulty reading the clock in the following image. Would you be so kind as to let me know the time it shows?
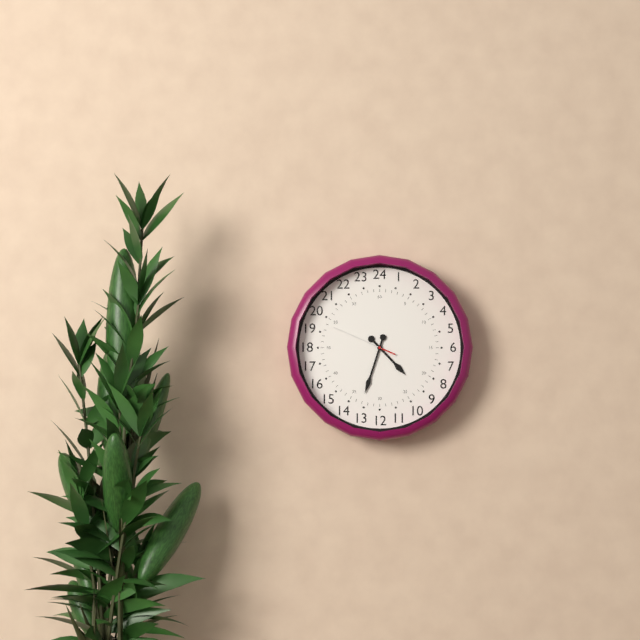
4:33:49
